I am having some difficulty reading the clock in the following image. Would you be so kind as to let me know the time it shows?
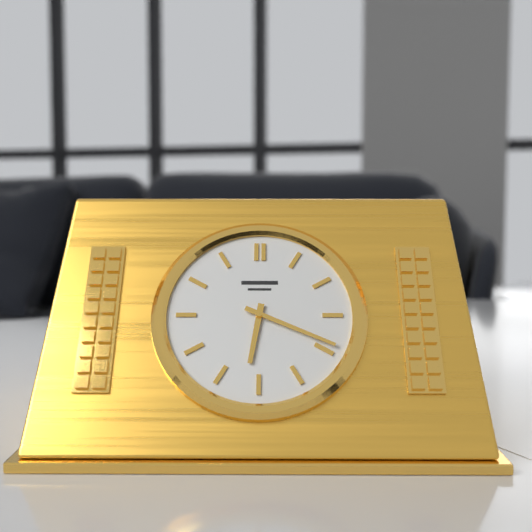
6:19
